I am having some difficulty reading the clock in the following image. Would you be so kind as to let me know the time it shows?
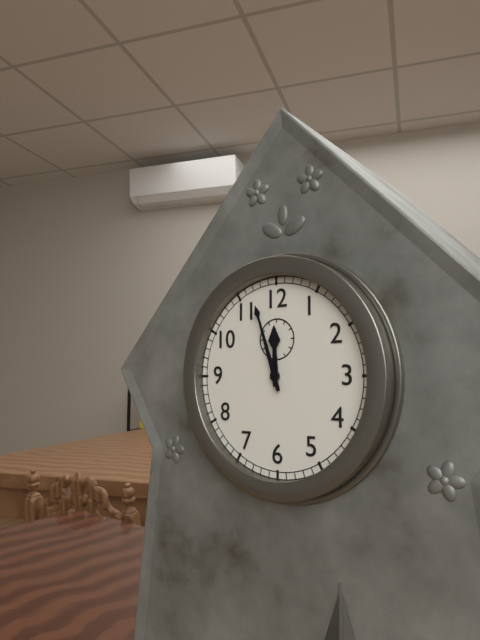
11:57
